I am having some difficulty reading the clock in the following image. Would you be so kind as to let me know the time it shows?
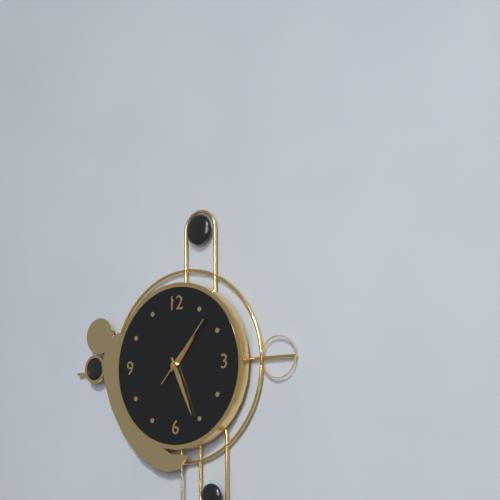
1:26:07
